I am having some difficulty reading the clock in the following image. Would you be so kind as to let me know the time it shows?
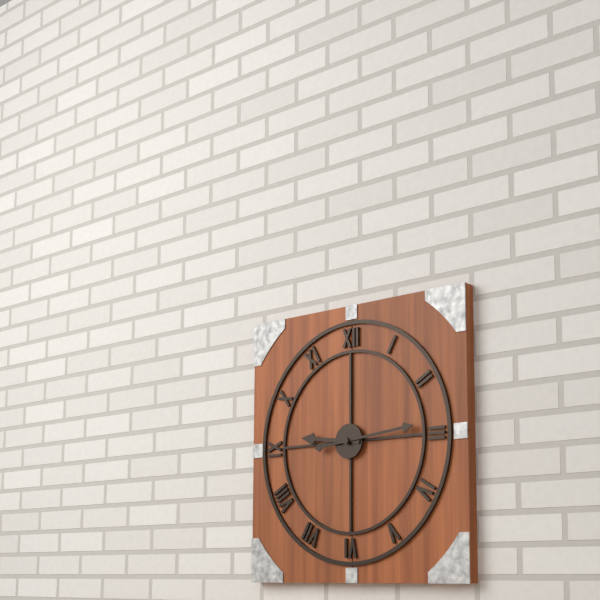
9:14
